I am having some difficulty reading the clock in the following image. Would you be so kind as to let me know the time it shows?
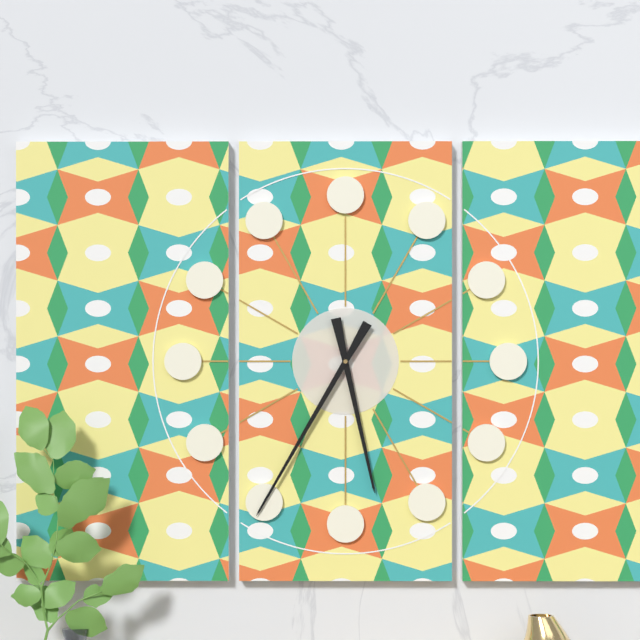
5:35
